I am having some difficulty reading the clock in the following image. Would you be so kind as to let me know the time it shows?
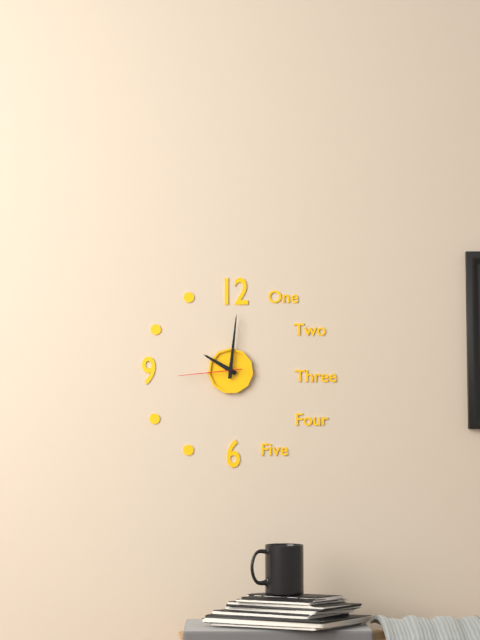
10:01:44
